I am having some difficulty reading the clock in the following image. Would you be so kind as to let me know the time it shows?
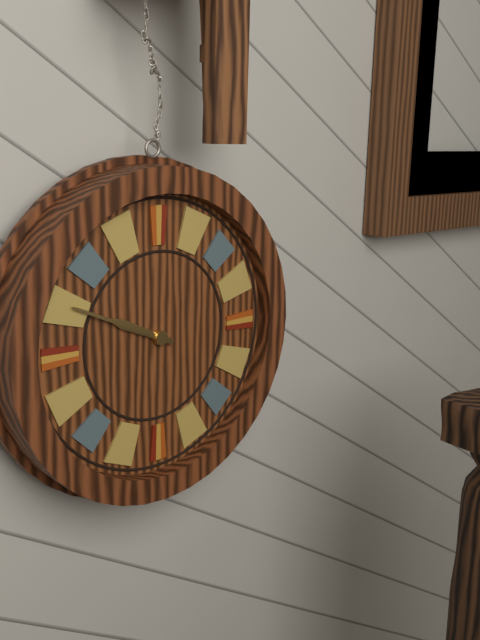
9:49
